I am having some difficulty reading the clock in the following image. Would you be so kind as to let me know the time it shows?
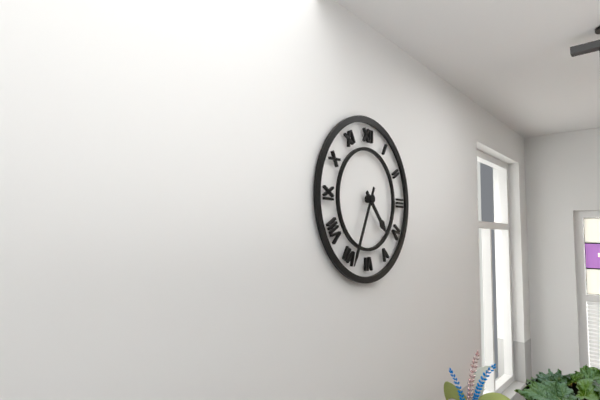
4:34
